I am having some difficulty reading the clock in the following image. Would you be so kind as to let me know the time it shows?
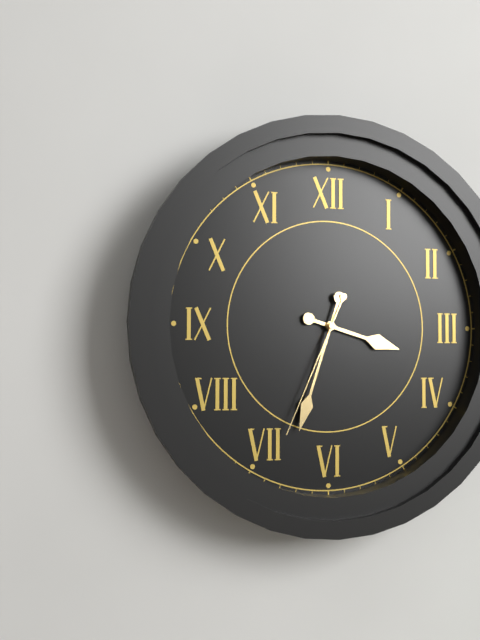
3:33:34
